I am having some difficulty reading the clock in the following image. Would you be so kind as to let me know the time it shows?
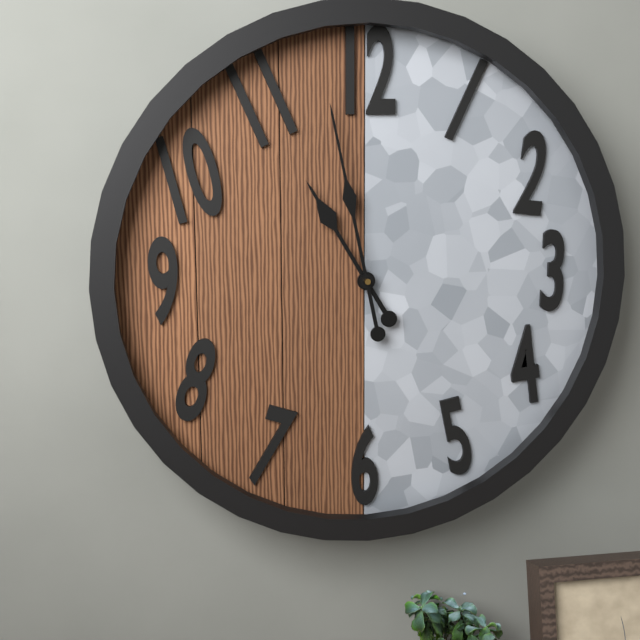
10:58
